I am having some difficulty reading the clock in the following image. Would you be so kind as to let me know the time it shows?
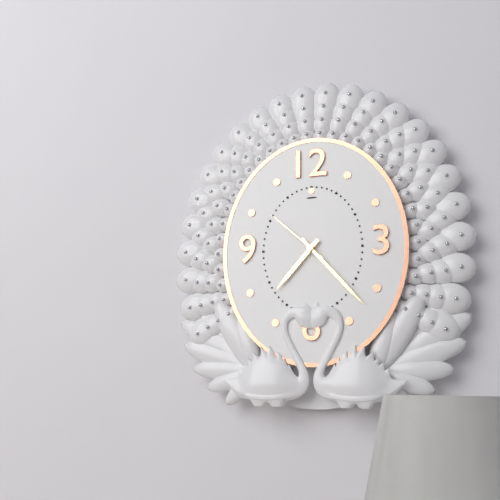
7:23:52
